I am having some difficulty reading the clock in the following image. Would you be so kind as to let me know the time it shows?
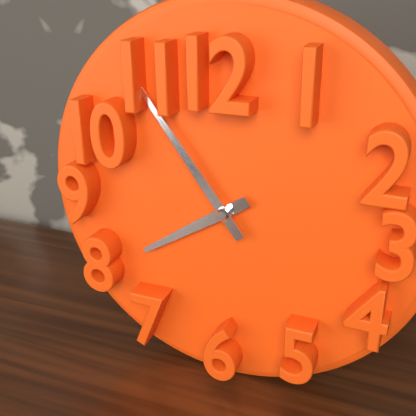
7:54
